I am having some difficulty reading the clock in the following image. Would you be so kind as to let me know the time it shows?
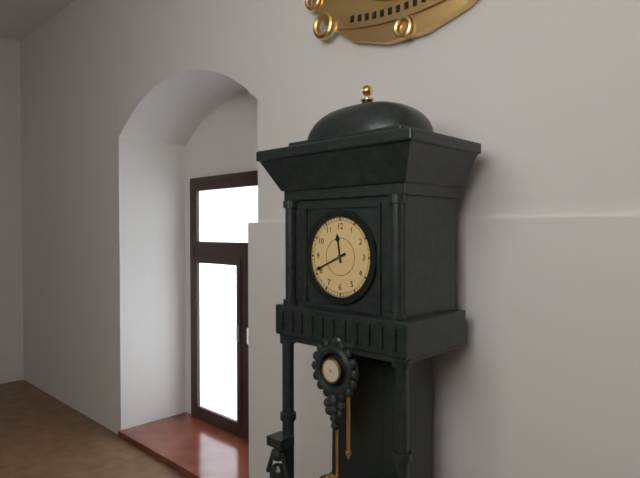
11:41
